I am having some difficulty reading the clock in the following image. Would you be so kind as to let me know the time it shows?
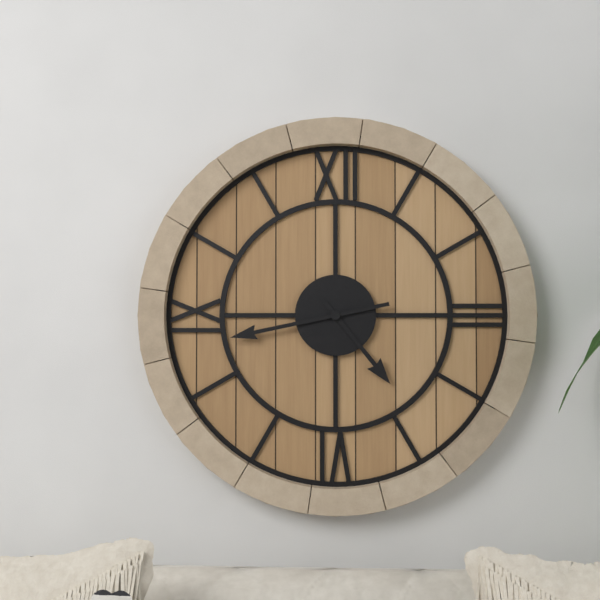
4:43
